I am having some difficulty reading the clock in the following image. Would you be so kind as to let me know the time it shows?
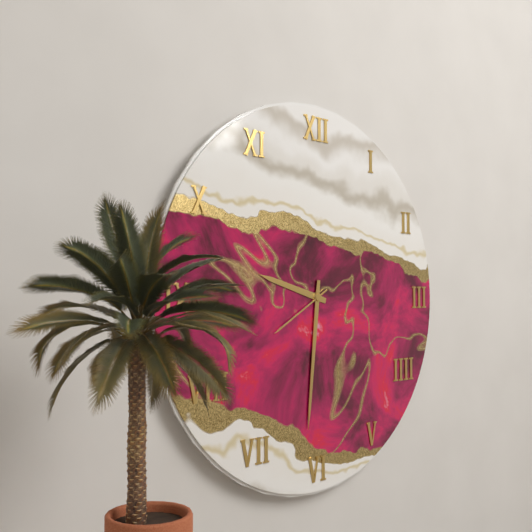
9:31:40
